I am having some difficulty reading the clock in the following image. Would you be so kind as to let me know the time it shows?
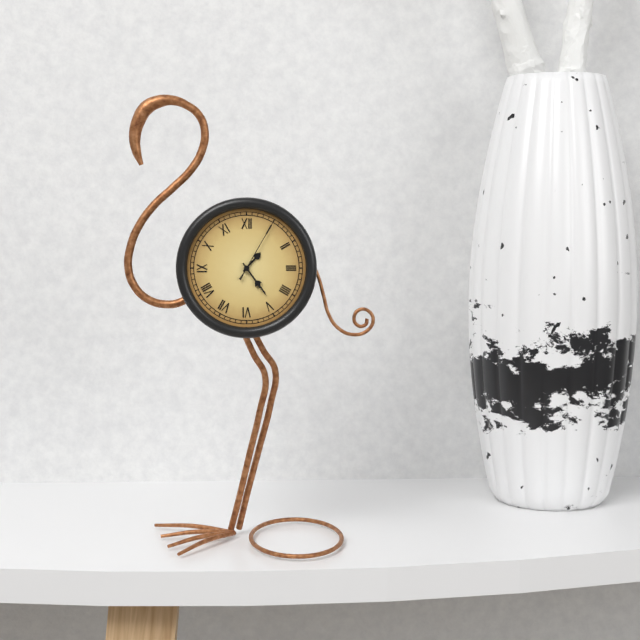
1:24:05
